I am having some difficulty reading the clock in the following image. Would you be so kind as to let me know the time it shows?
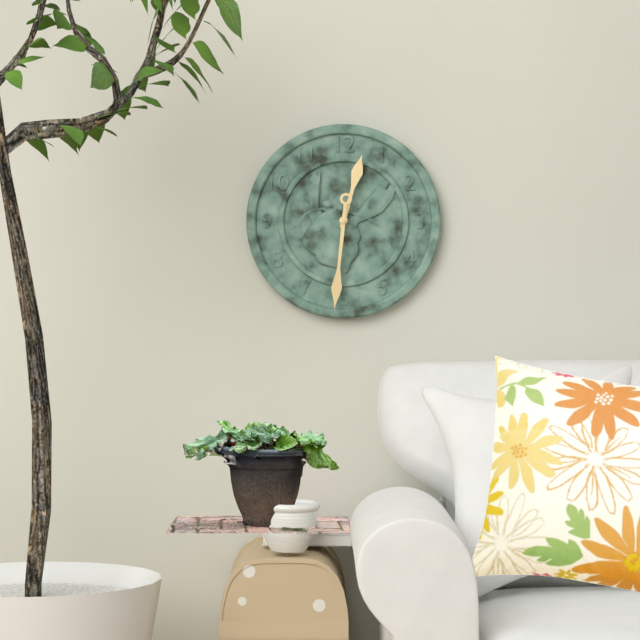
12:31
